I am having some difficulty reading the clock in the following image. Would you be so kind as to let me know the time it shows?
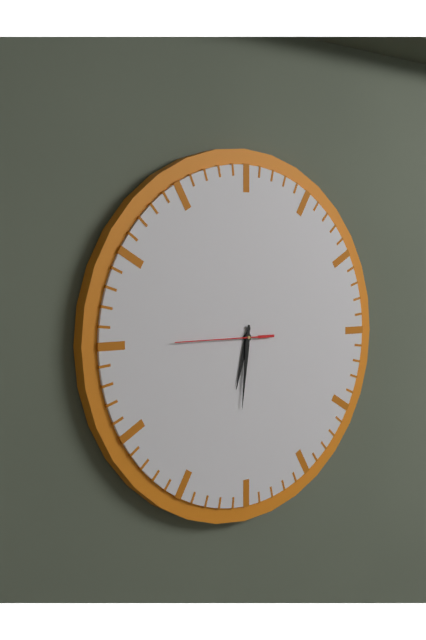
6:31:45
